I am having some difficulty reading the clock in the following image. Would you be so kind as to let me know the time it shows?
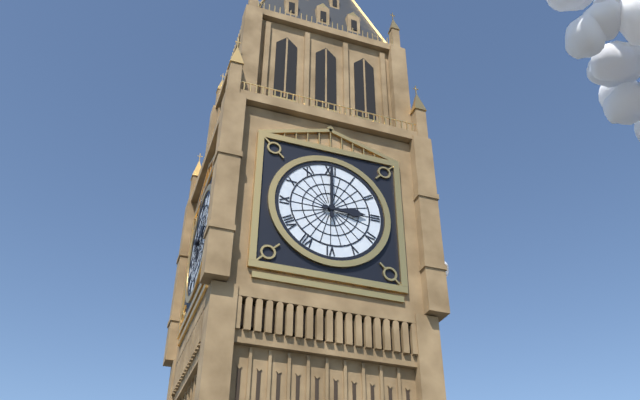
3:00
